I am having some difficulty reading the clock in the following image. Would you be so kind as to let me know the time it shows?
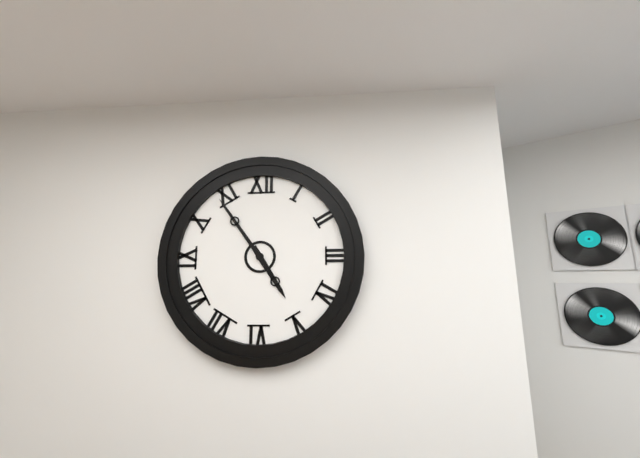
4:54
